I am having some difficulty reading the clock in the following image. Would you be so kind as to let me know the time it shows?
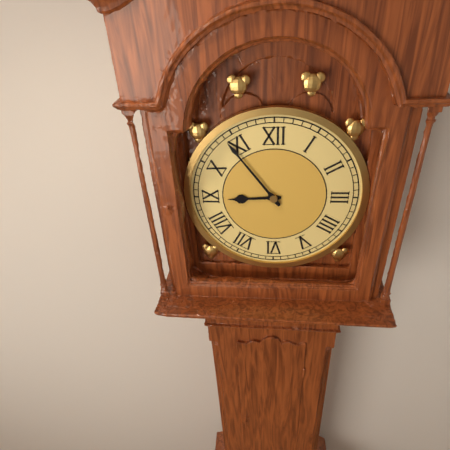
8:54
